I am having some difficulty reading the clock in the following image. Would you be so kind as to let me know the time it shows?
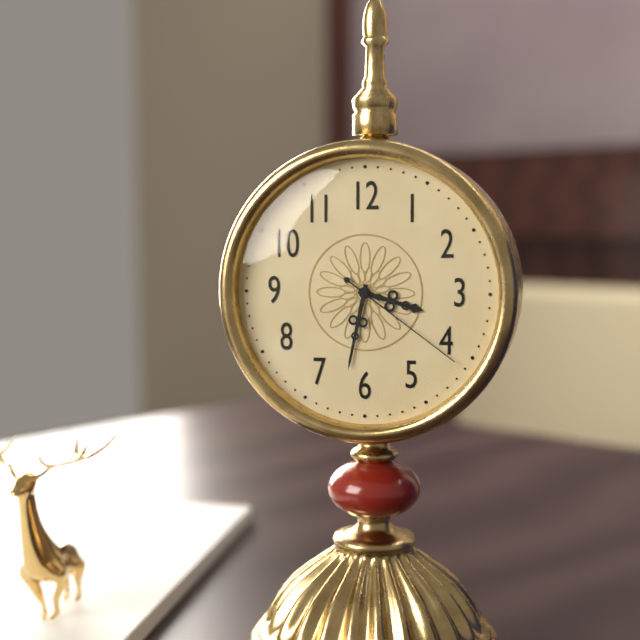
3:32:21
